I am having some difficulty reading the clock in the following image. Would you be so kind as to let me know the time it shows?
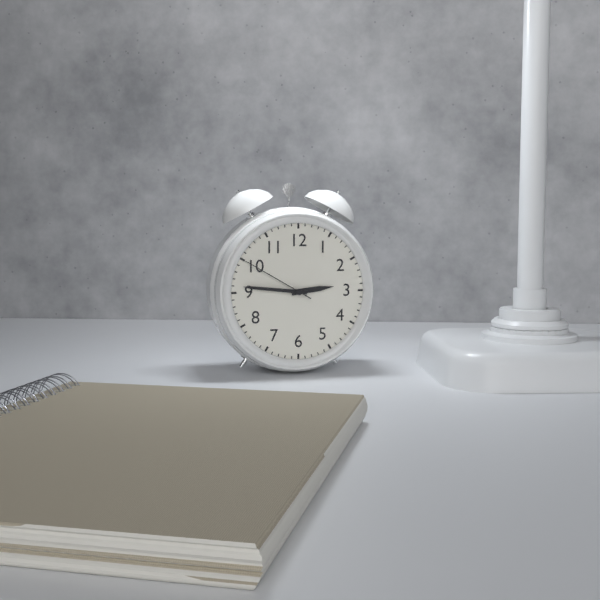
2:46:50
